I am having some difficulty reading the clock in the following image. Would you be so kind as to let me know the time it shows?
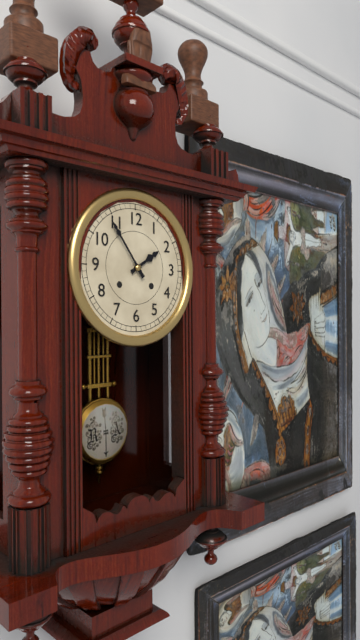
1:54
